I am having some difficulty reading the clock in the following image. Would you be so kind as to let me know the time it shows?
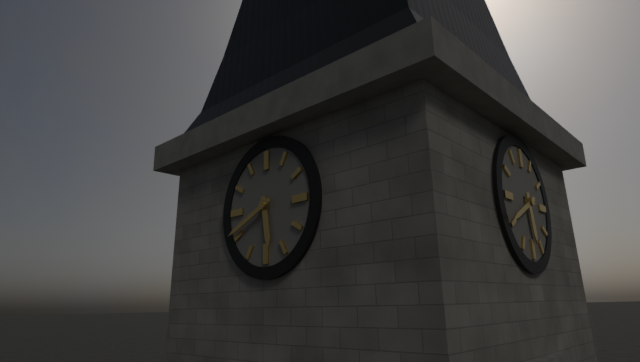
5:41
